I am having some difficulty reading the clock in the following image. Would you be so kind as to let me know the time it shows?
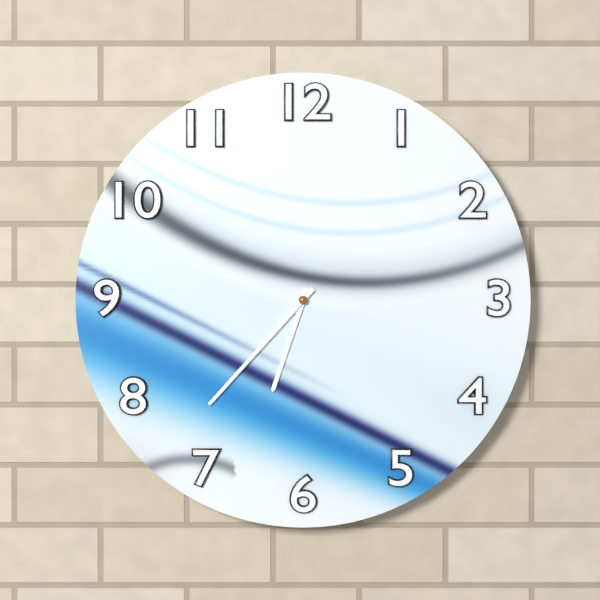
6:37
